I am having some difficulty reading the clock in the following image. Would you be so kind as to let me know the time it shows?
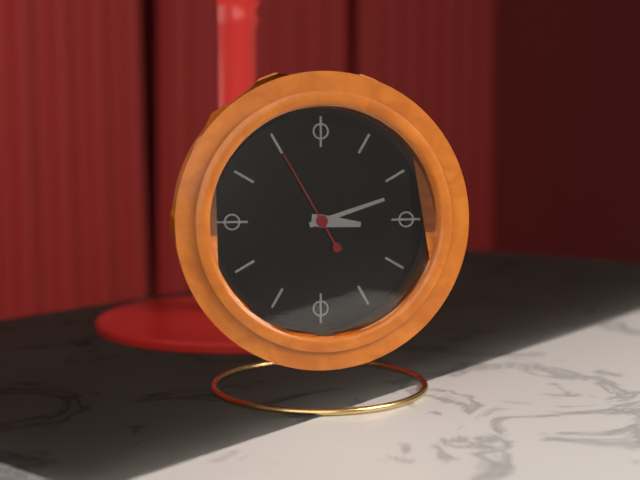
3:12:55
